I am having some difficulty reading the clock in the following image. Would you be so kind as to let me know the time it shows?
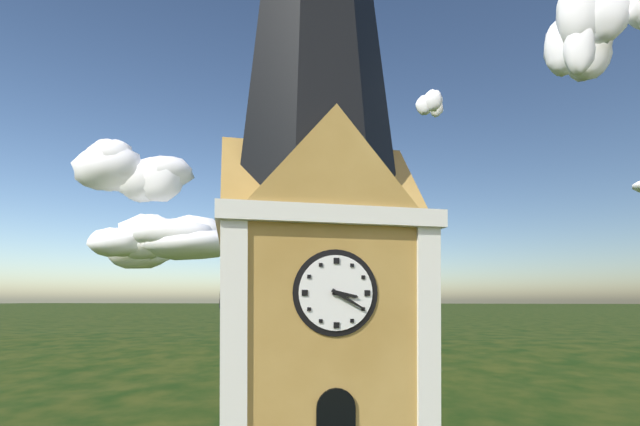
3:20
